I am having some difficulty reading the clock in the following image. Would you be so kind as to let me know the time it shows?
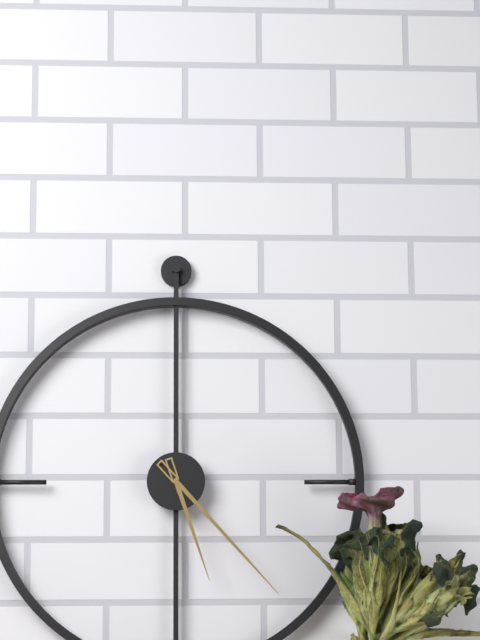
5:23
